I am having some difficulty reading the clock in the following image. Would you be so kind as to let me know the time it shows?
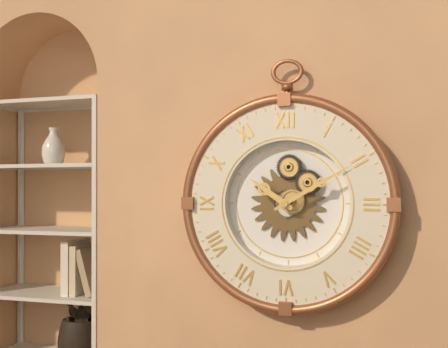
10:10
